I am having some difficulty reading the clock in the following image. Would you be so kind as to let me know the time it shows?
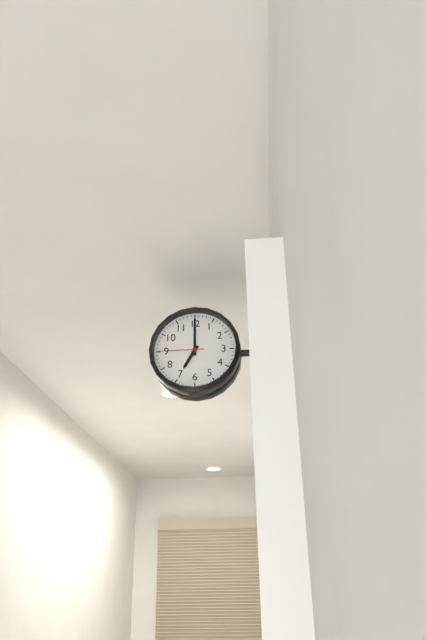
7:00
